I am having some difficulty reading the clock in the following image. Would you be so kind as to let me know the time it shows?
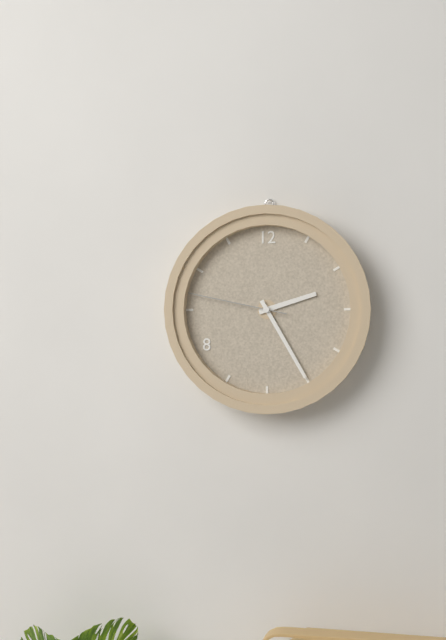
2:25:47
